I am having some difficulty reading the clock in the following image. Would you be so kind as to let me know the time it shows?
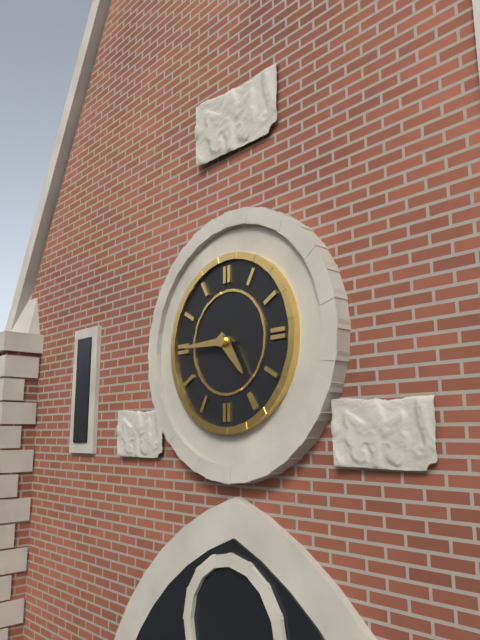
4:45
